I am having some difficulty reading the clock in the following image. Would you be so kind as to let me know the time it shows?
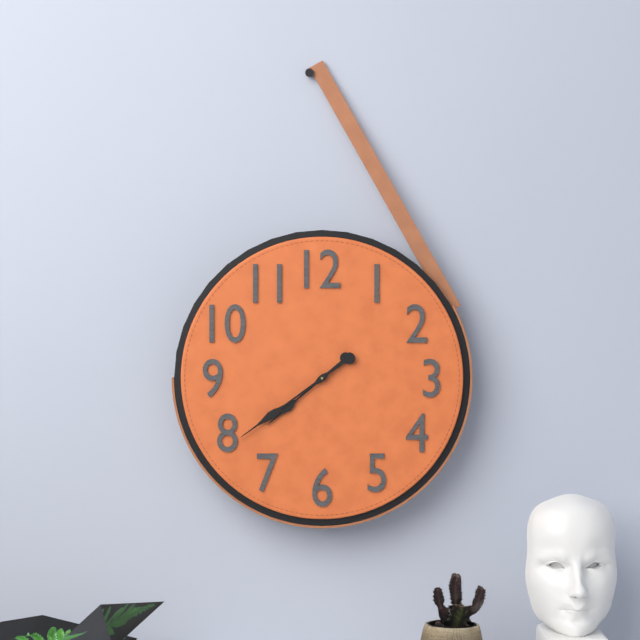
7:39
